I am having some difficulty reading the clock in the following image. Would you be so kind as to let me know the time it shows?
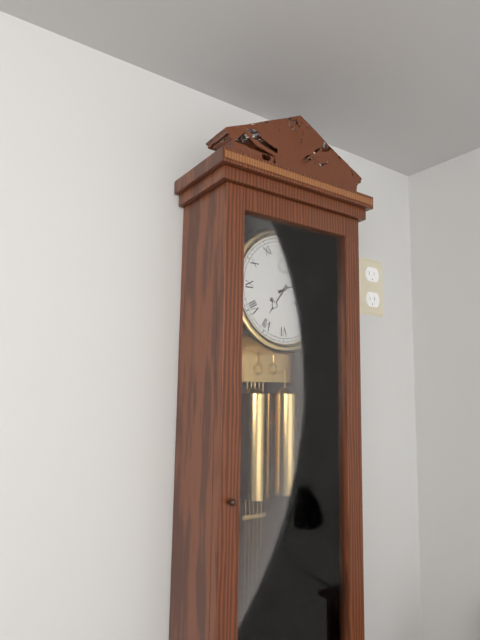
7:11
